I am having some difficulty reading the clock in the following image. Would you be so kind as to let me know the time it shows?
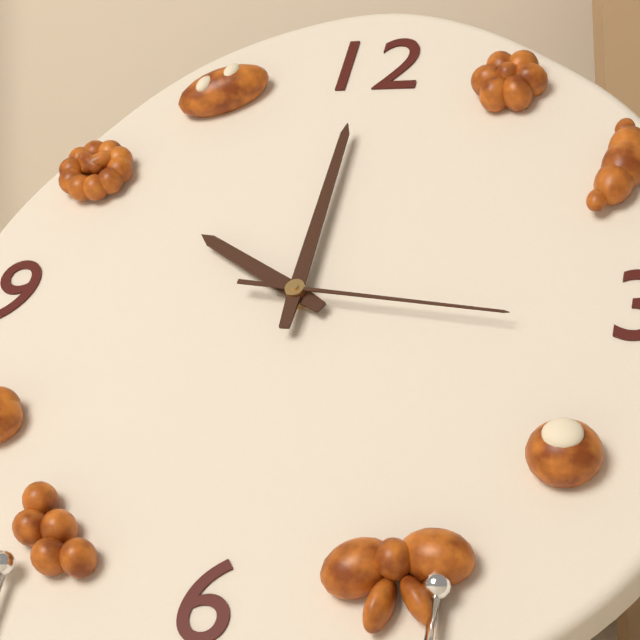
10:00:16
